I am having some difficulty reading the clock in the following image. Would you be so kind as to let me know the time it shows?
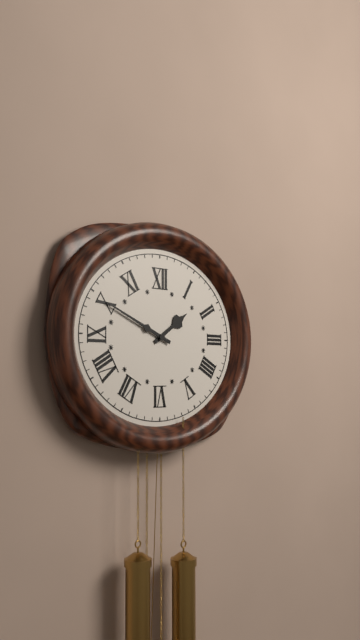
1:49
